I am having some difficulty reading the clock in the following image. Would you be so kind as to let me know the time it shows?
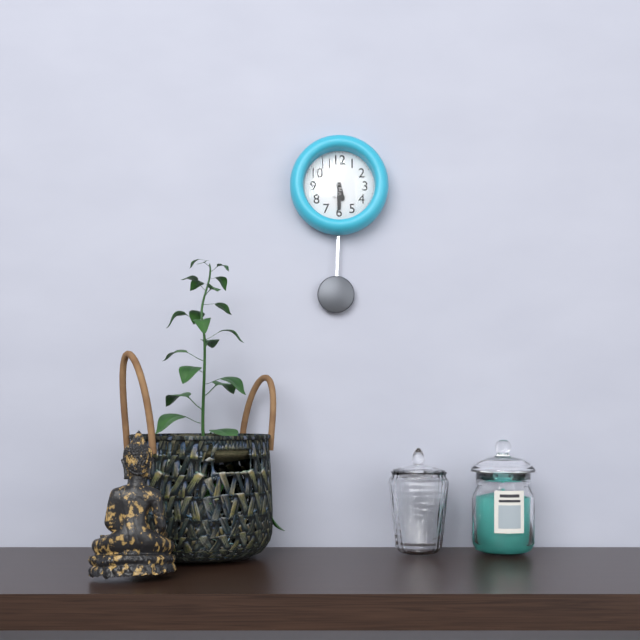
5:30
